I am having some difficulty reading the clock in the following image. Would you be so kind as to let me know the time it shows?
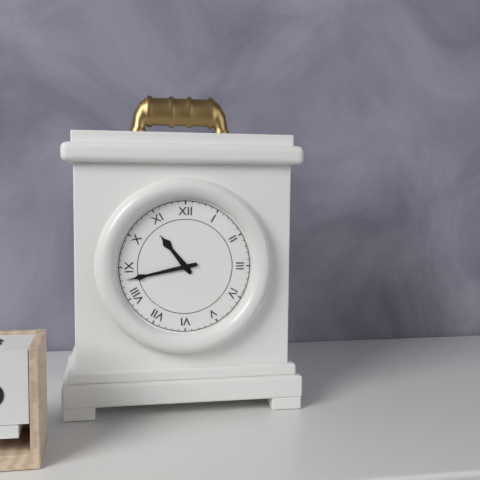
10:43
